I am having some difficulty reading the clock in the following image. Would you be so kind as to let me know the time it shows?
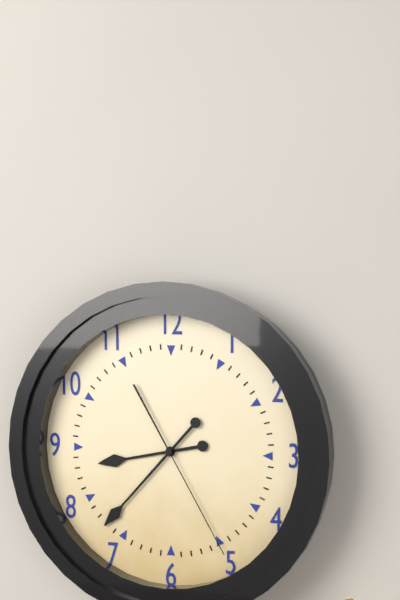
8:37:25
